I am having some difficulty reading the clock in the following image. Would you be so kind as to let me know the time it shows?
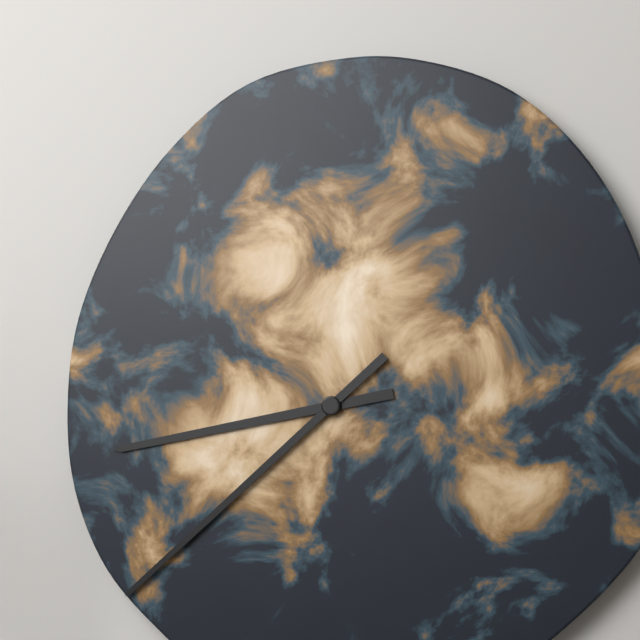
8:38
